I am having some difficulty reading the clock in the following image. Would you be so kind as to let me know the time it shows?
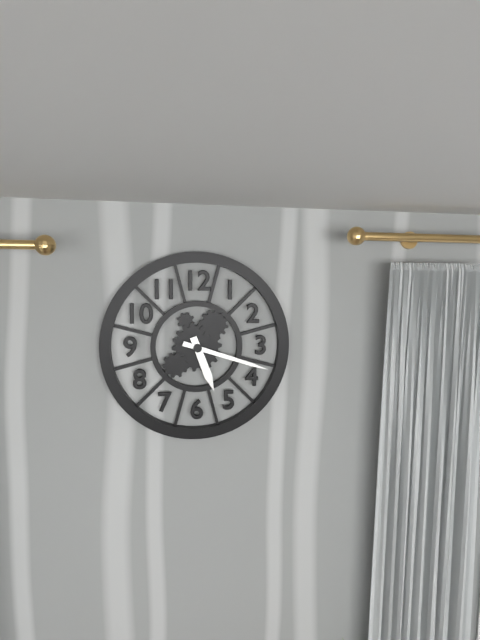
5:18
